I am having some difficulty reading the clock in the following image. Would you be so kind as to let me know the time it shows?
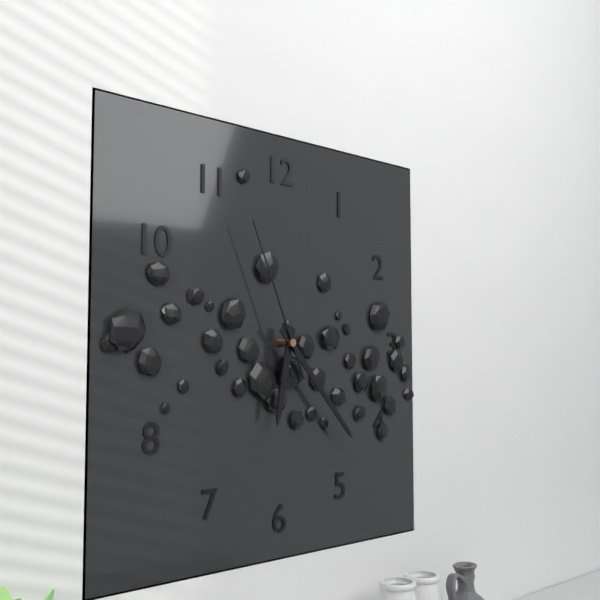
6:23:56
